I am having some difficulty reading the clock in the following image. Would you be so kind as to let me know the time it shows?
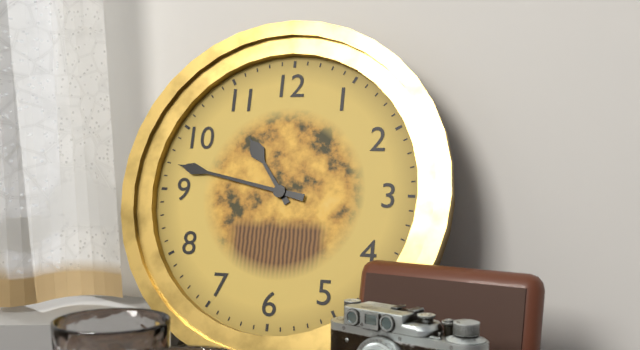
10:47
